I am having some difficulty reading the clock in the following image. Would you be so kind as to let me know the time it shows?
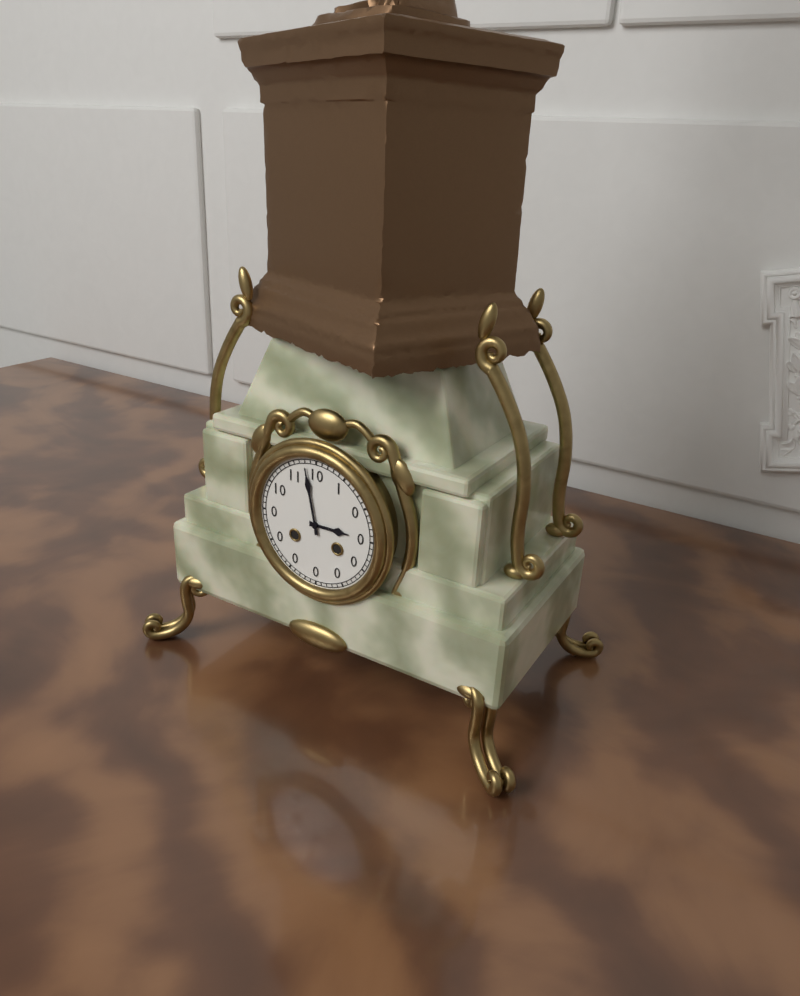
2:58
